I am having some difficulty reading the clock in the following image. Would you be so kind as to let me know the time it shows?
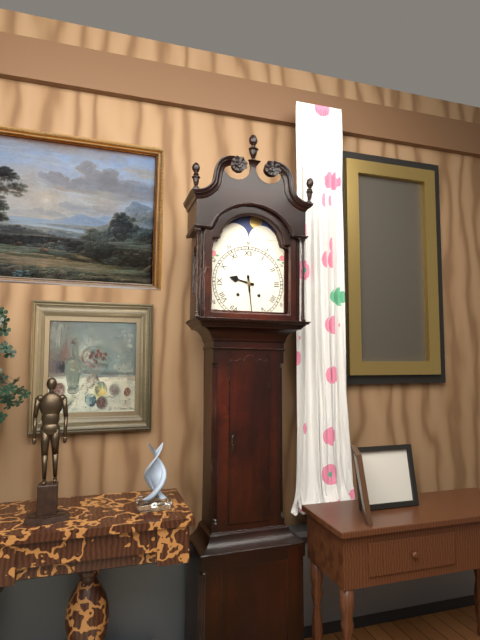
9:29
